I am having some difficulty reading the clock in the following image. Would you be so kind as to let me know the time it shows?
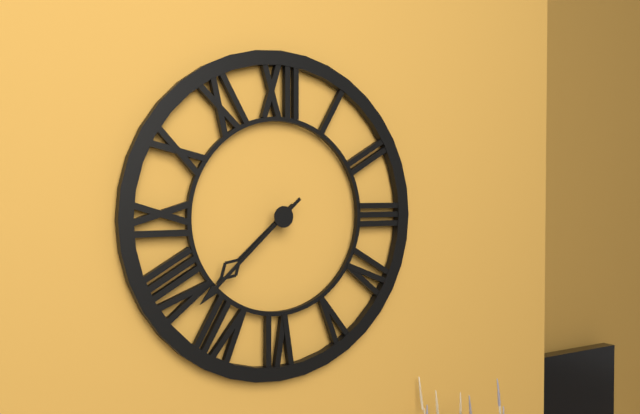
7:38
